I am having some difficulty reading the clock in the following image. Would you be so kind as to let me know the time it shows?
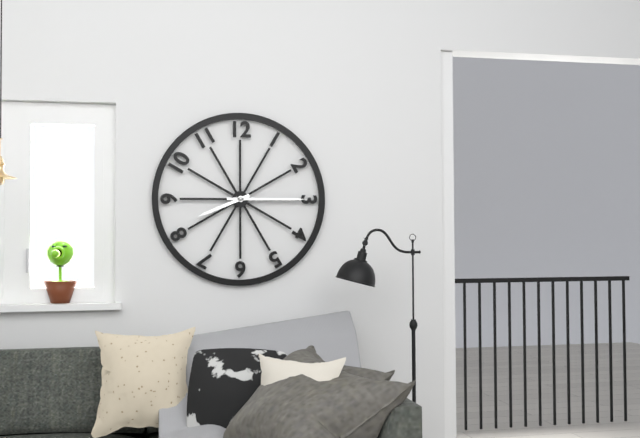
8:15
